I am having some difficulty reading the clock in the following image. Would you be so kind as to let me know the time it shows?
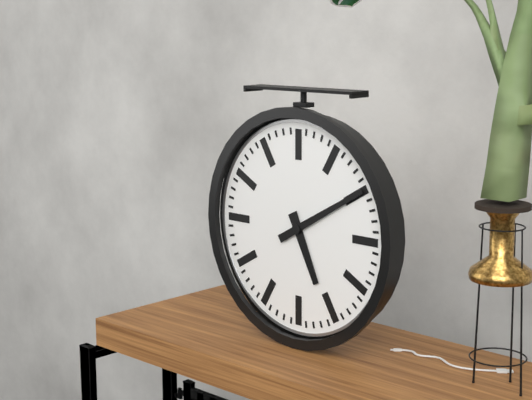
5:10
